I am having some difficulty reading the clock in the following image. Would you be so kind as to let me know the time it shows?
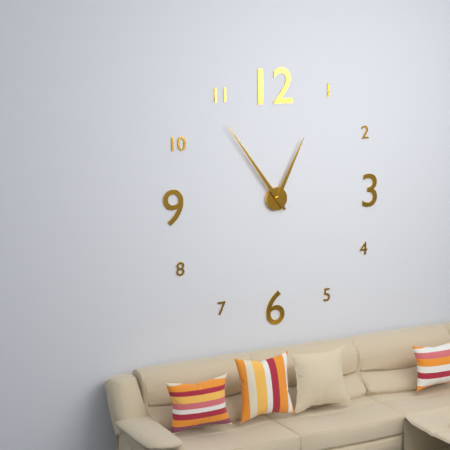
12:54
